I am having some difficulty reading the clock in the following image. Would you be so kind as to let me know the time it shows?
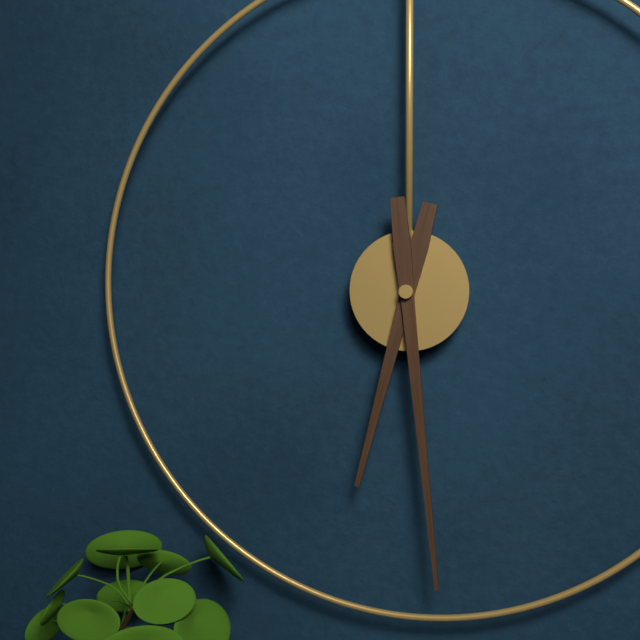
6:29
